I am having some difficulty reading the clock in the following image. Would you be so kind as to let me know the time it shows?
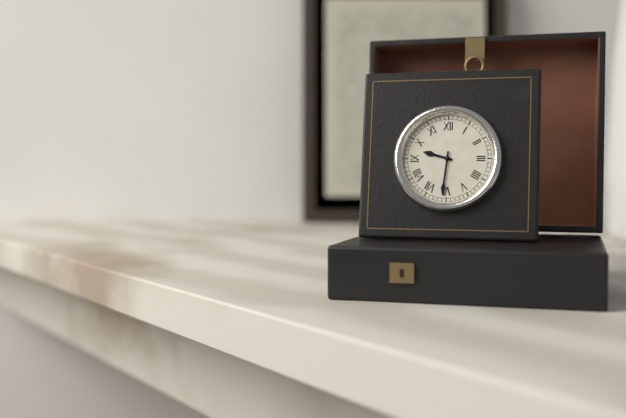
9:31
